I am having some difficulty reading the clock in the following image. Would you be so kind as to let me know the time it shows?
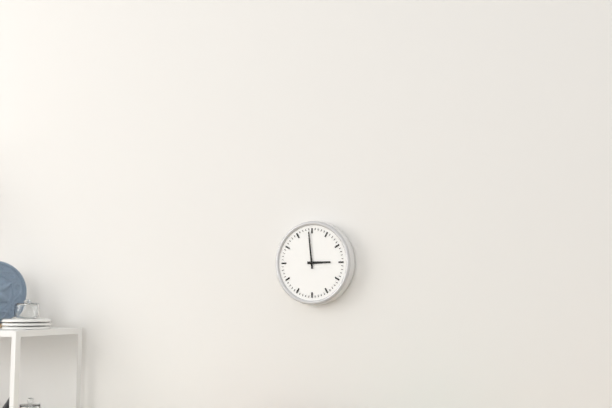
2:59
